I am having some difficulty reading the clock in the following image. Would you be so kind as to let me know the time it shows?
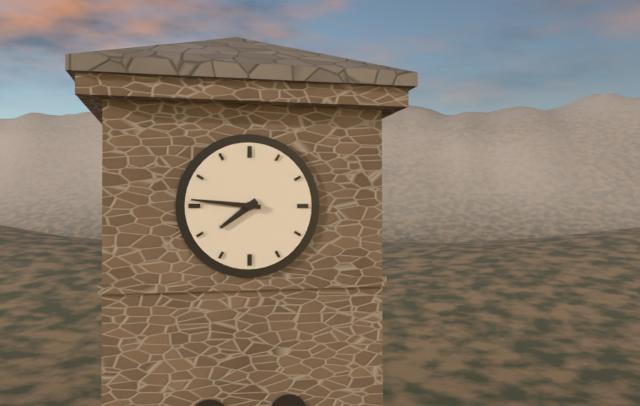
7:46
